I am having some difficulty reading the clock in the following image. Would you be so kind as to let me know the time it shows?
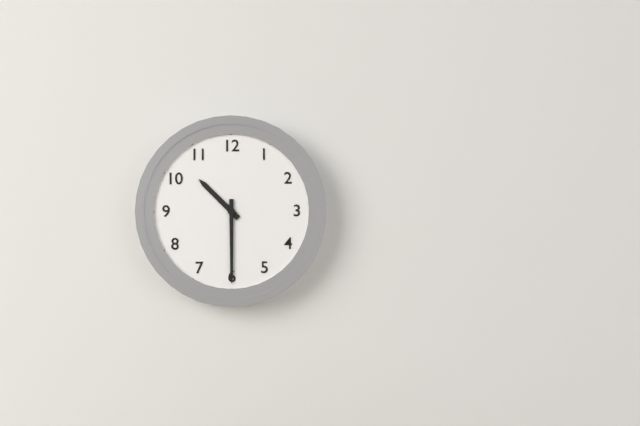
10:30
